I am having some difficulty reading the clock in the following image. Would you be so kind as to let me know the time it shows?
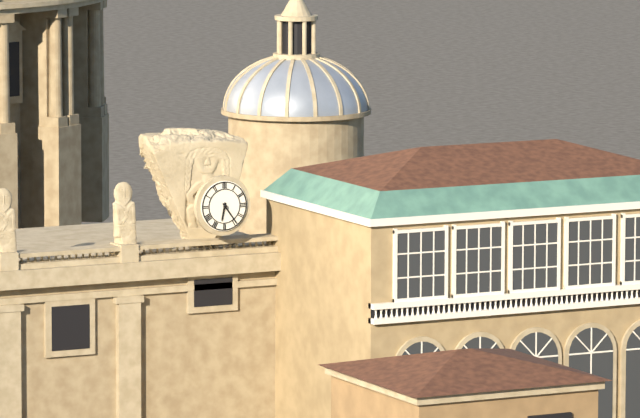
6:24
